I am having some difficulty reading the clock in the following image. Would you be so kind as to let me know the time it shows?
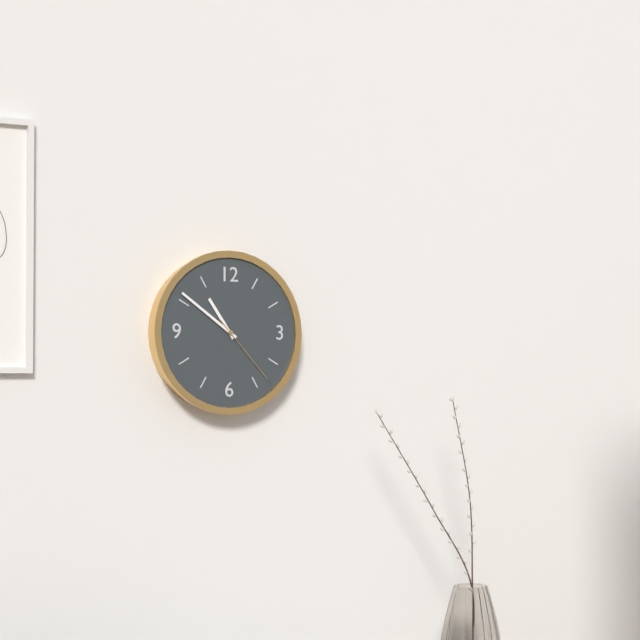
10:51:23
